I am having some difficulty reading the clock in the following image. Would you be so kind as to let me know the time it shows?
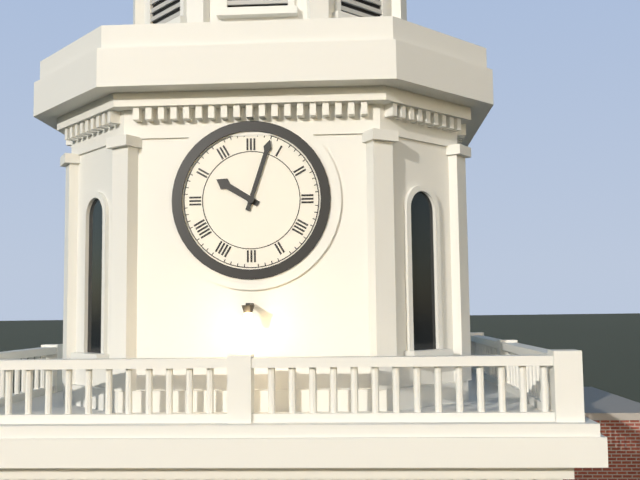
10:03
